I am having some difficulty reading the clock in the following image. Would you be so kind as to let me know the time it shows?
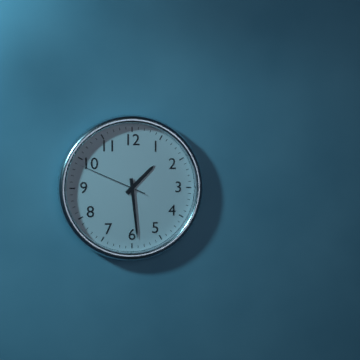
1:29:49
